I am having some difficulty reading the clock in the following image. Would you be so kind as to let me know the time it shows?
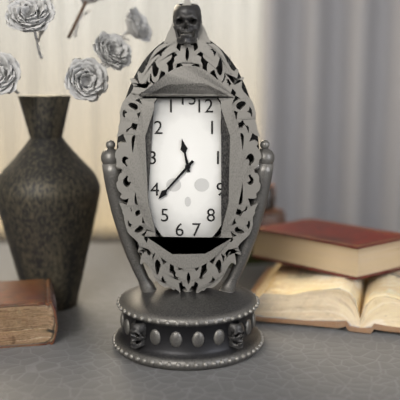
11:37
